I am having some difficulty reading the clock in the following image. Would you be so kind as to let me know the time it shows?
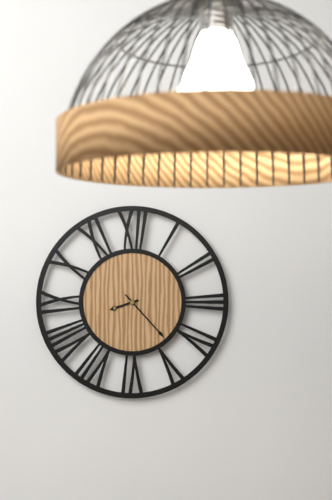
8:23
